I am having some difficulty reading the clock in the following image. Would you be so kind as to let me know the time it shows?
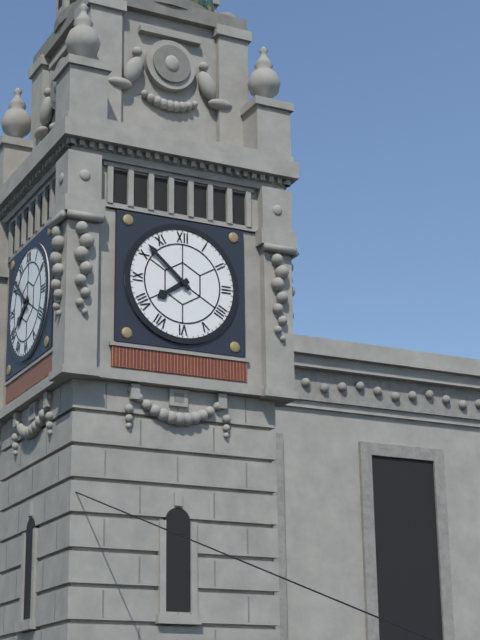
7:52
